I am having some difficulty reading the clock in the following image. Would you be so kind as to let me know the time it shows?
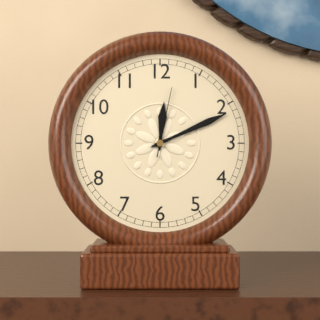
12:11:02
